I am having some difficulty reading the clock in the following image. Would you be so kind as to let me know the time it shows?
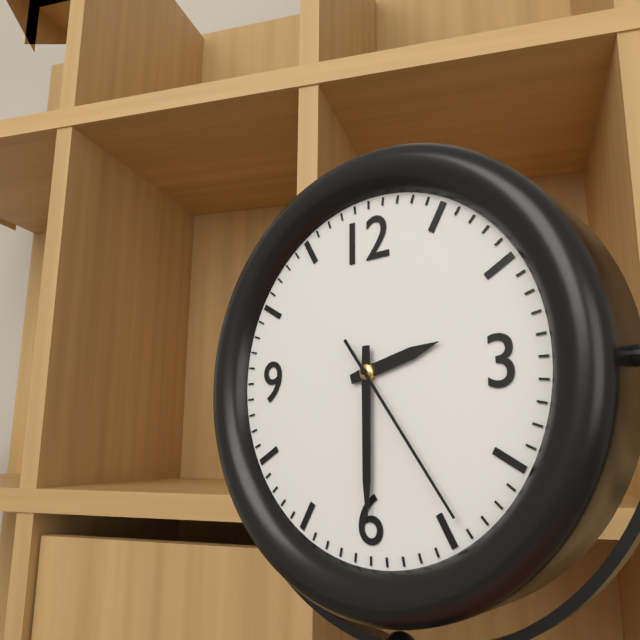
2:30:24
